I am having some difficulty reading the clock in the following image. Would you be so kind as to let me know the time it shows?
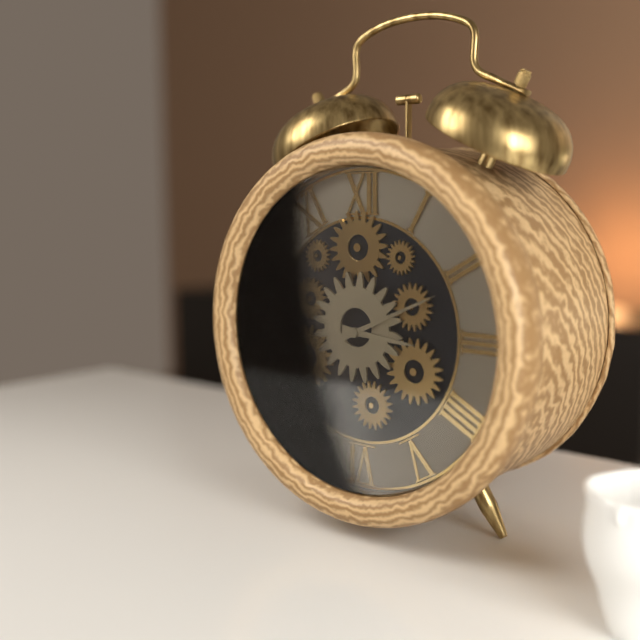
3:11
